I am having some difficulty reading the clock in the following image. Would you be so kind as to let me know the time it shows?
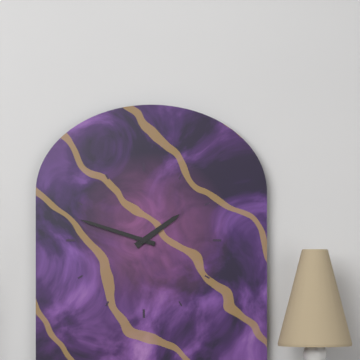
1:48
